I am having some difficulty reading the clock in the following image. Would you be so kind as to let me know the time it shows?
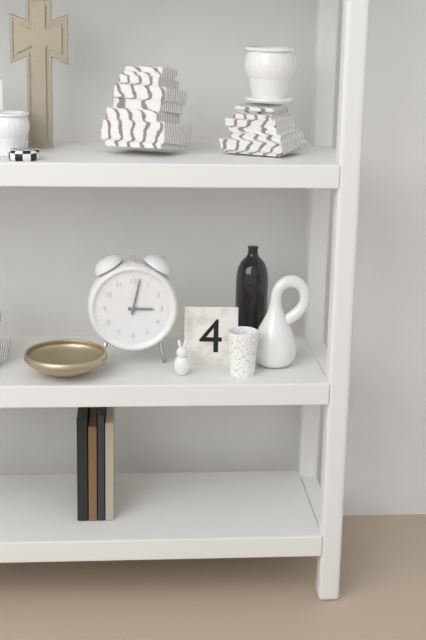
3:02
